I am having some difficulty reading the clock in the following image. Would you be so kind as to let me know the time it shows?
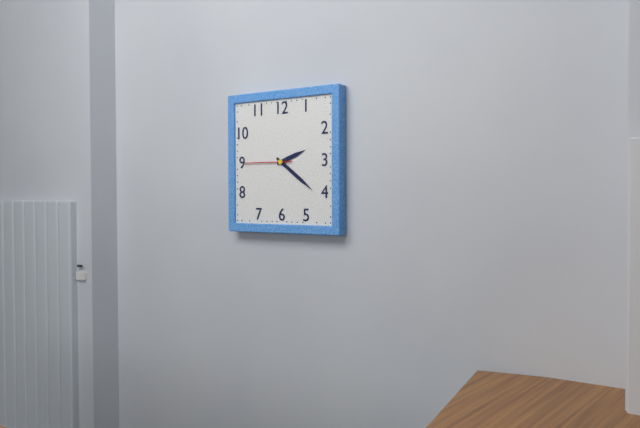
2:21
